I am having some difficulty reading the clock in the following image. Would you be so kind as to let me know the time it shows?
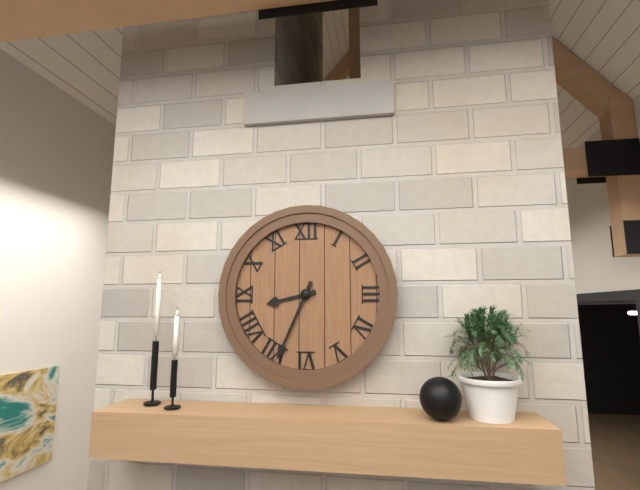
8:34
